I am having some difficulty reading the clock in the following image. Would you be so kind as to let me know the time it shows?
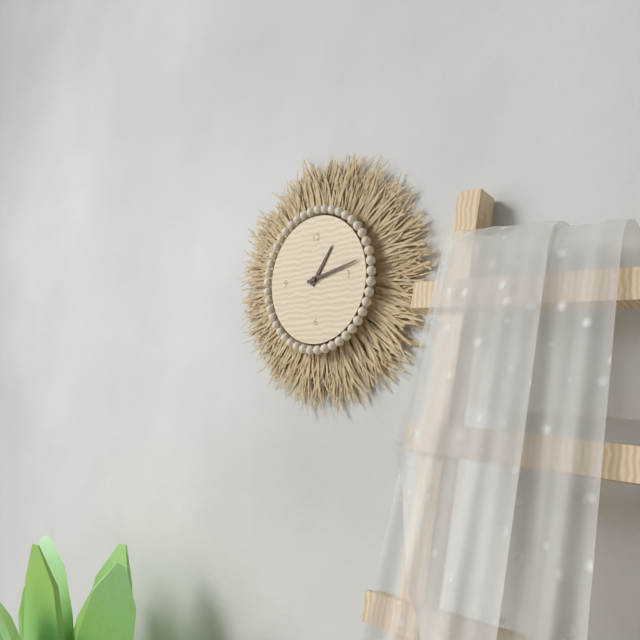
1:13
